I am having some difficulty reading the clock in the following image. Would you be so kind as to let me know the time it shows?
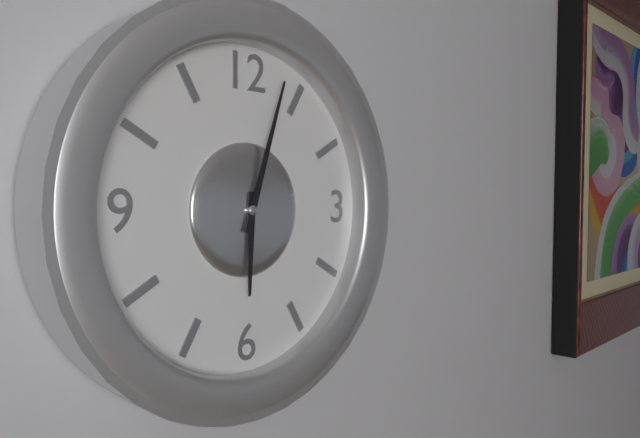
6:03
